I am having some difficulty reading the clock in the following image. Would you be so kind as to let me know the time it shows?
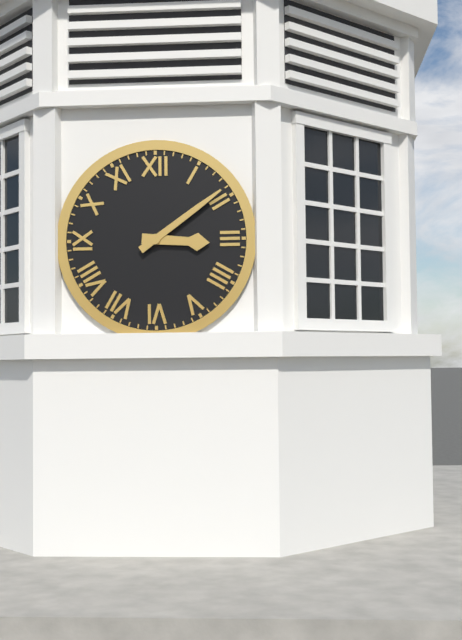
3:09
